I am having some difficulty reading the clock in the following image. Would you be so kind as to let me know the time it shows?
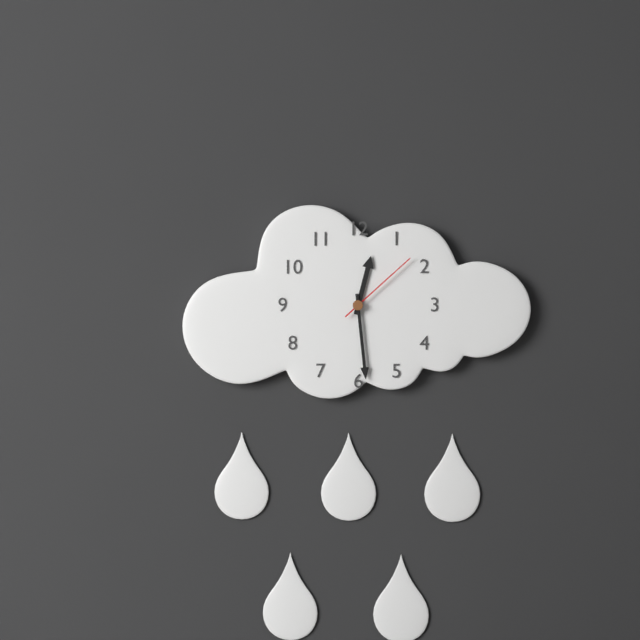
12:29:08
